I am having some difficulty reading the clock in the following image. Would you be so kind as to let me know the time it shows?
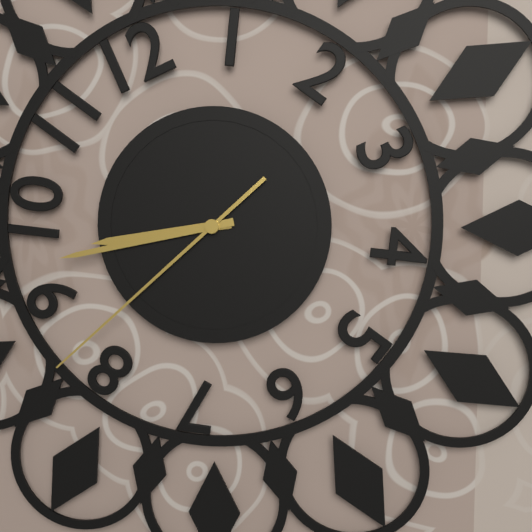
8:43:38
